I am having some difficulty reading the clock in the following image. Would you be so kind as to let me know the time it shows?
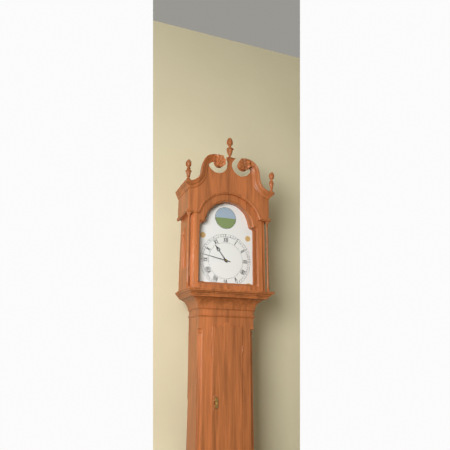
10:47
